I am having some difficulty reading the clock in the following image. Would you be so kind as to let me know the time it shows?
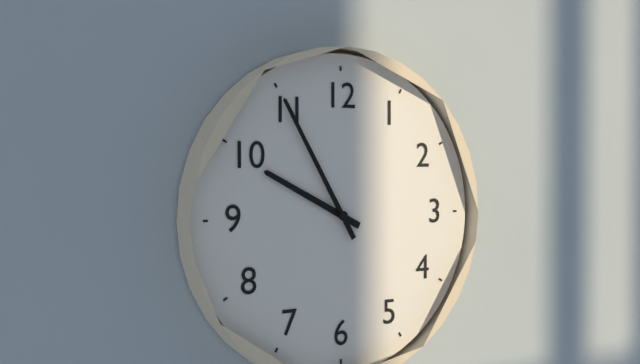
9:55
